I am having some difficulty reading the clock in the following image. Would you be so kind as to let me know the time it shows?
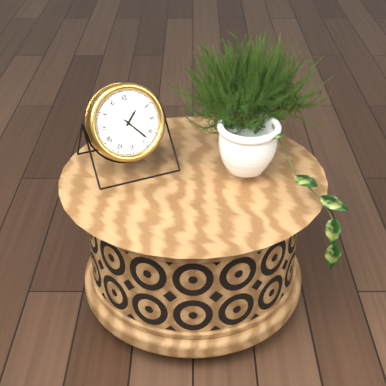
1:23
